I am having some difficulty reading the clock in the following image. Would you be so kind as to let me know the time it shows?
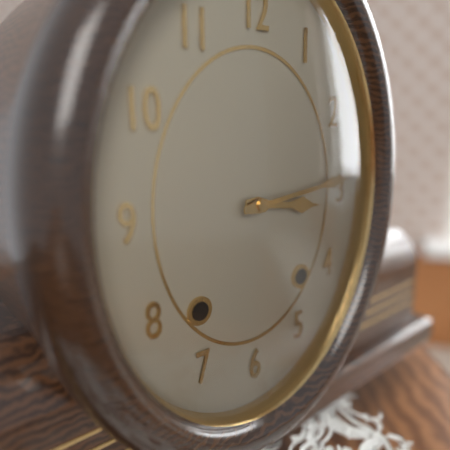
3:14
